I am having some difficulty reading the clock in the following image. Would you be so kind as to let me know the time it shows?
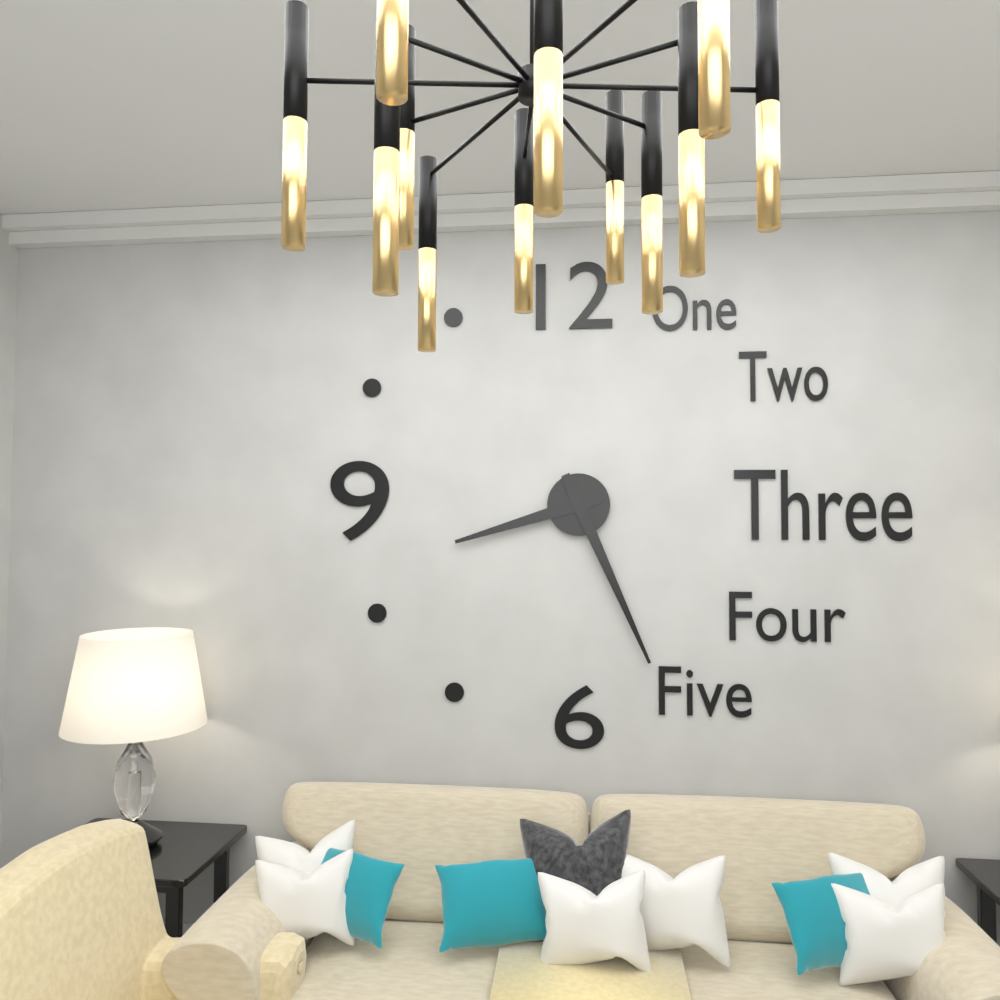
8:26
